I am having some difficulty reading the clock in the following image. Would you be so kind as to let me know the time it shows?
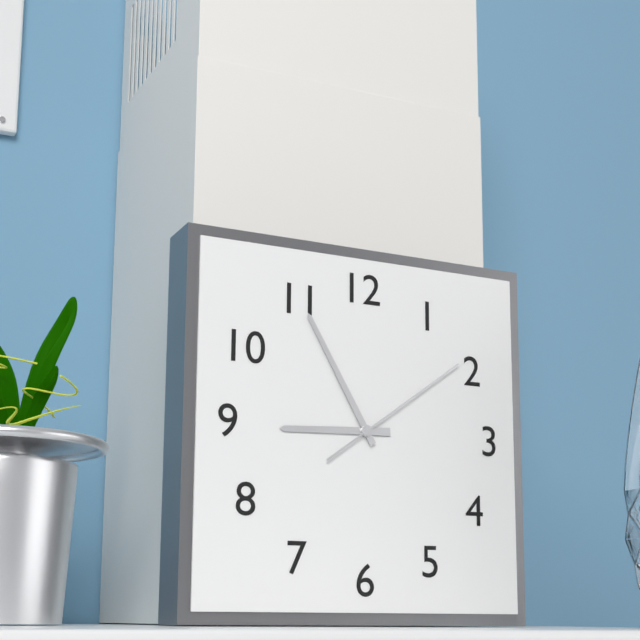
8:55:09
